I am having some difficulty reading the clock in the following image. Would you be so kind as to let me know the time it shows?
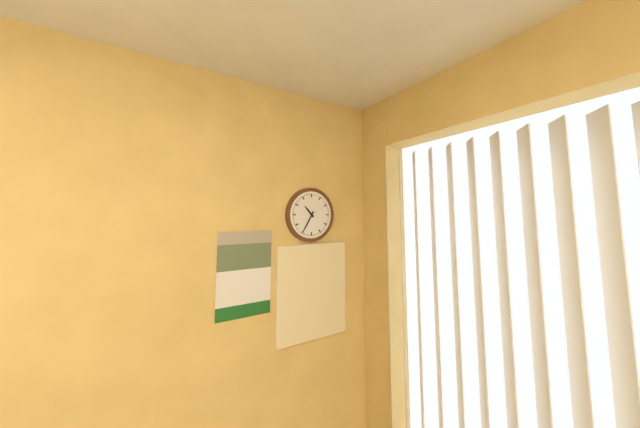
10:35
